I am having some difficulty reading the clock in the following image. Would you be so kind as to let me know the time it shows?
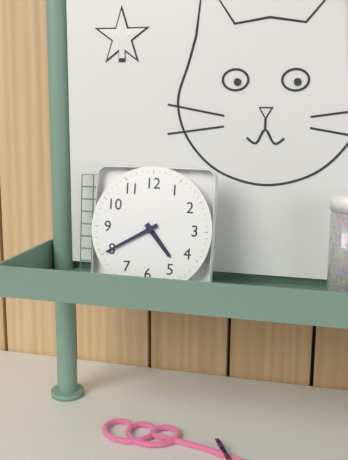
4:40
